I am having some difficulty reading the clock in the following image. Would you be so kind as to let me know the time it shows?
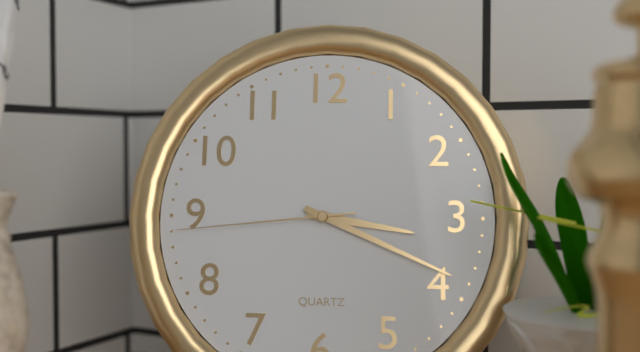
3:19:44
